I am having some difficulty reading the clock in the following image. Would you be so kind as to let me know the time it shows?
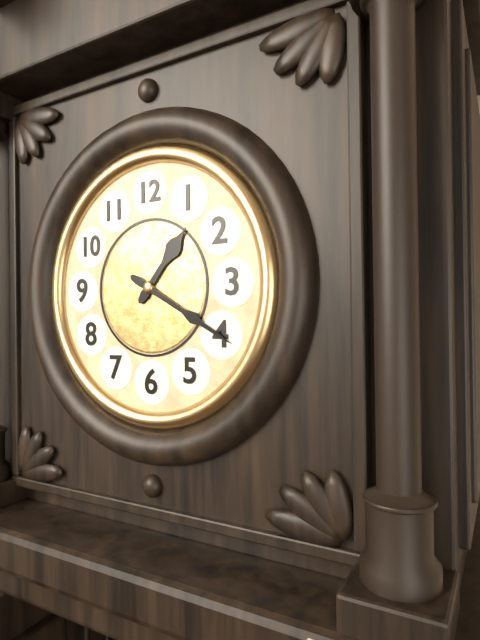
1:20
